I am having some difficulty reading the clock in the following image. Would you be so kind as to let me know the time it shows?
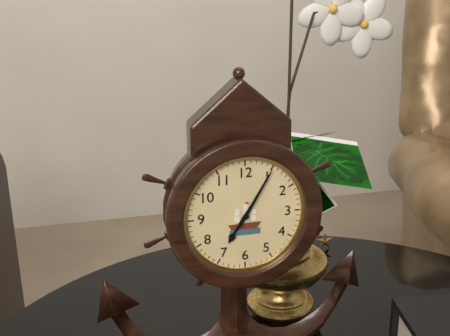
7:05
